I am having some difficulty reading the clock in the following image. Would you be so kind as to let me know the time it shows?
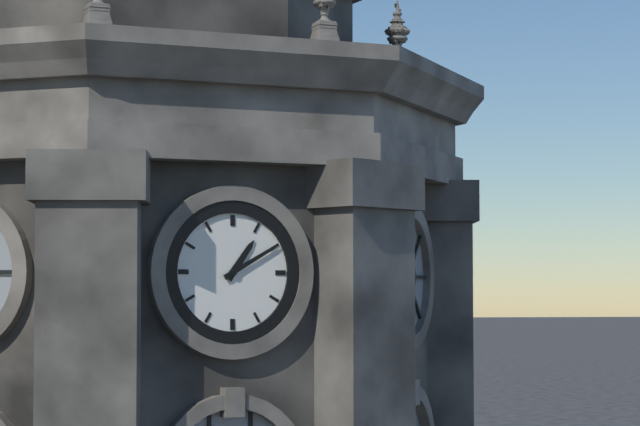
1:10
